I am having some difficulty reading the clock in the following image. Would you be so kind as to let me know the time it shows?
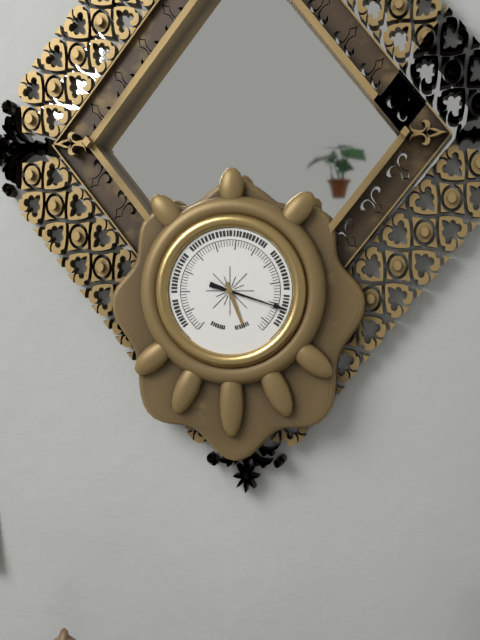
5:18
